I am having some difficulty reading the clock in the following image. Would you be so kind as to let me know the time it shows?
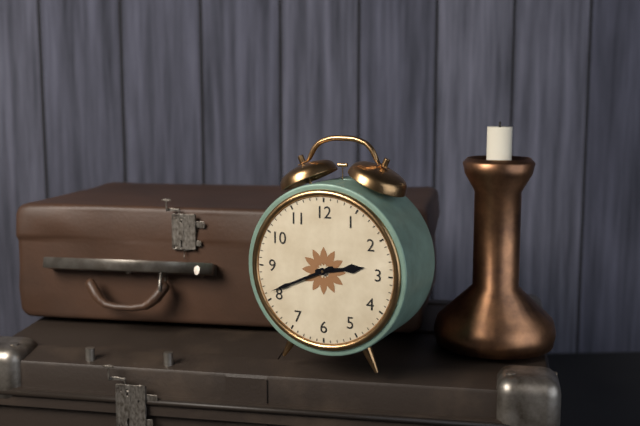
2:41
